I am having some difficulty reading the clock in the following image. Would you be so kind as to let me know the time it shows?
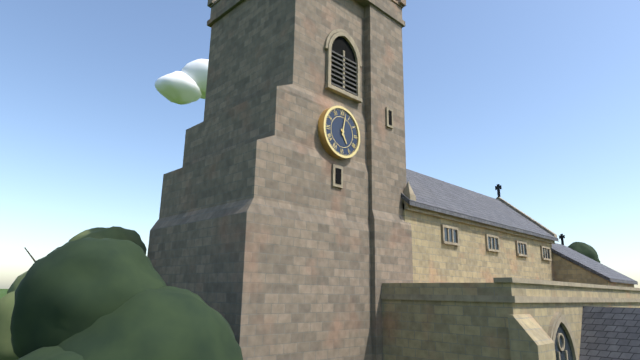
5:02
